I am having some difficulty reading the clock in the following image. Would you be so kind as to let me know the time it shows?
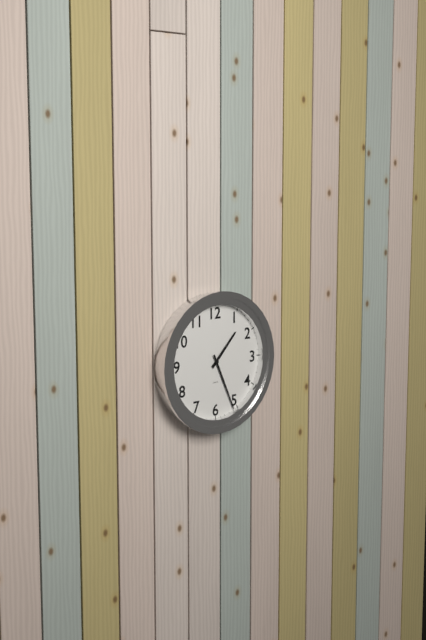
1:26
